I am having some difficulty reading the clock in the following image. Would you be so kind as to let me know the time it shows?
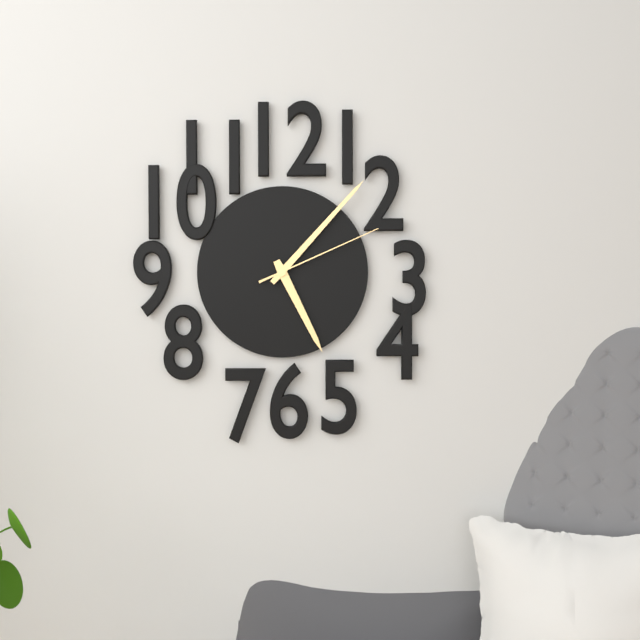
5:07:11
